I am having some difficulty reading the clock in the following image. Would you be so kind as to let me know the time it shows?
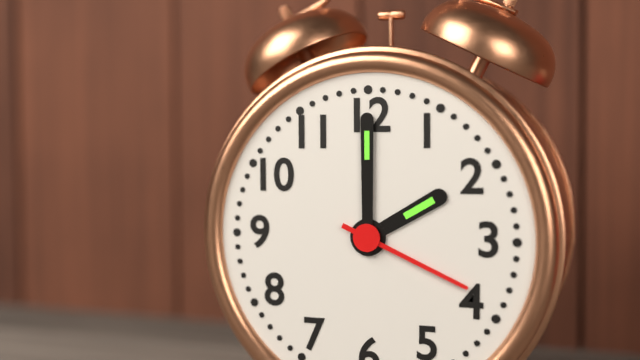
2:00:19
